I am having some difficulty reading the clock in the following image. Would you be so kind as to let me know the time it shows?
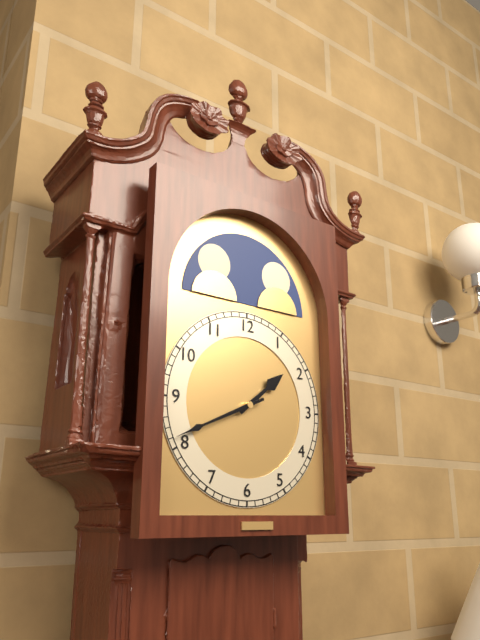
1:41
